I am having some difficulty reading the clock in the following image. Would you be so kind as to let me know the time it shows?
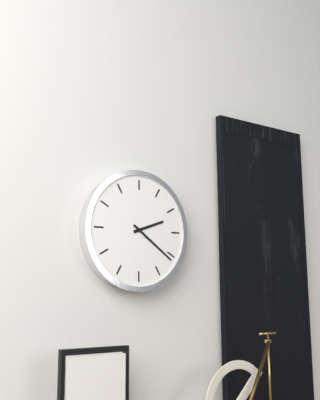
2:21
